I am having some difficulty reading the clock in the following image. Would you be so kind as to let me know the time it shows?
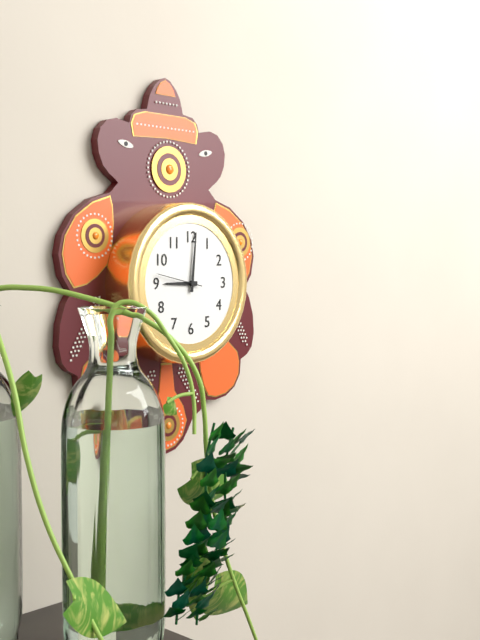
9:01
